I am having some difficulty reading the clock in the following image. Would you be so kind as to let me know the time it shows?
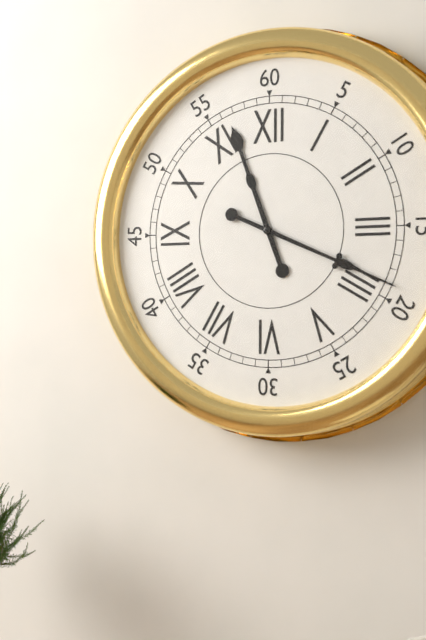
11:19
